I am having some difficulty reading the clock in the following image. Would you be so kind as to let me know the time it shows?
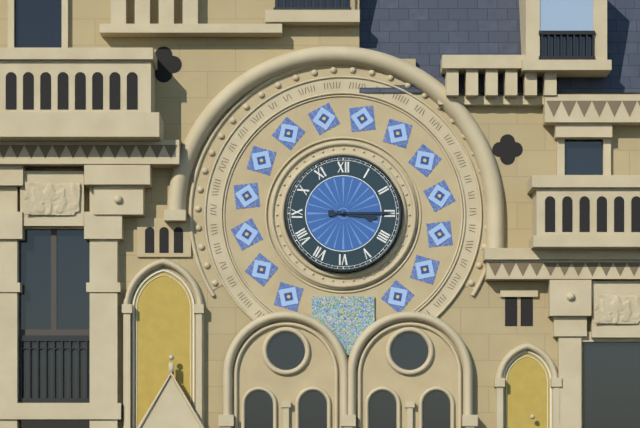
3:15
